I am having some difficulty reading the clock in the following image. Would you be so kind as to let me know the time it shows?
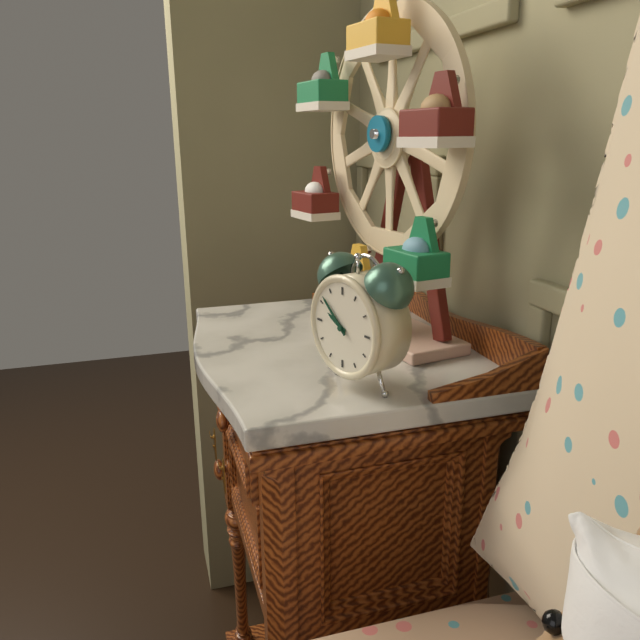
9:52
